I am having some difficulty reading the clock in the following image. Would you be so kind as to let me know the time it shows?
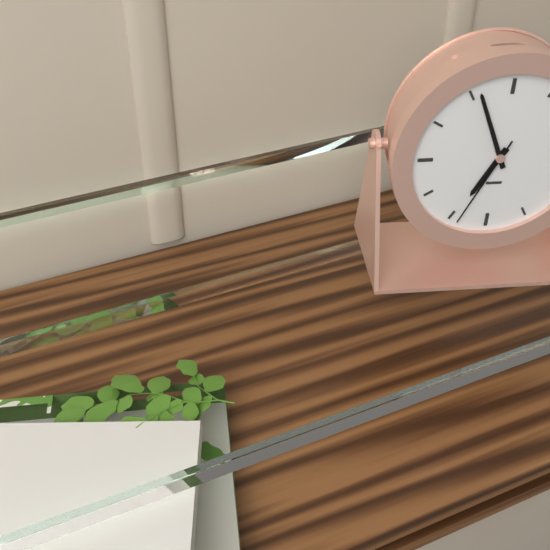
6:56:34
